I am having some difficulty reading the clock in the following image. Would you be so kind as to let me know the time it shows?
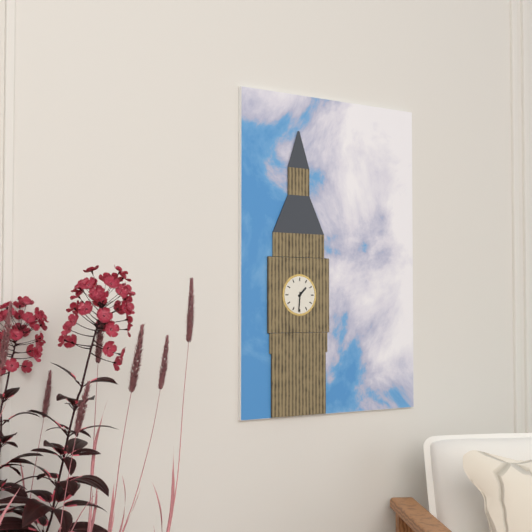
1:31
